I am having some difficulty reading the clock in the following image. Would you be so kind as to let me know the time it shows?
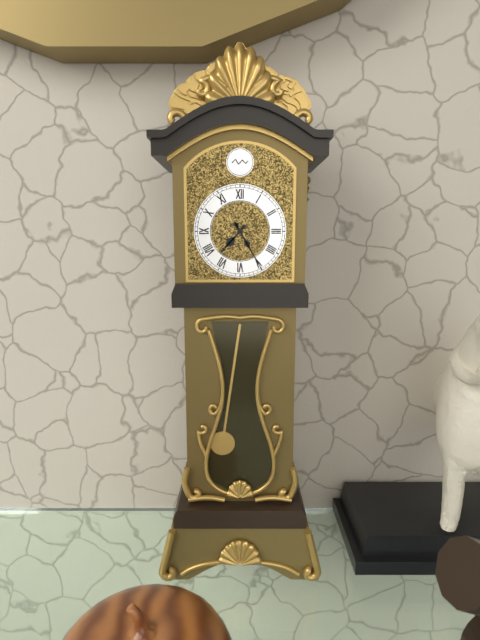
7:25
